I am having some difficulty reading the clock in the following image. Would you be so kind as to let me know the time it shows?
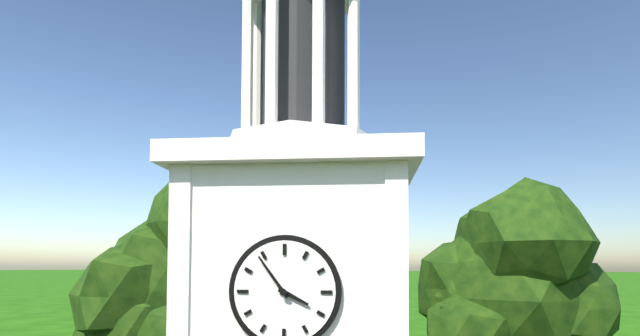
3:54
